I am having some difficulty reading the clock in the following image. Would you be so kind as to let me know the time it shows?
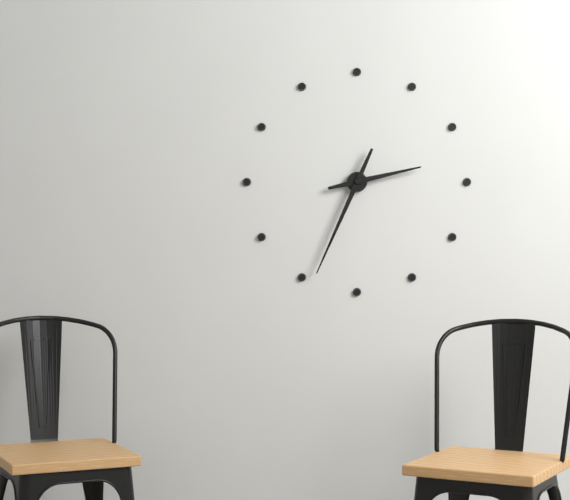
2:34
